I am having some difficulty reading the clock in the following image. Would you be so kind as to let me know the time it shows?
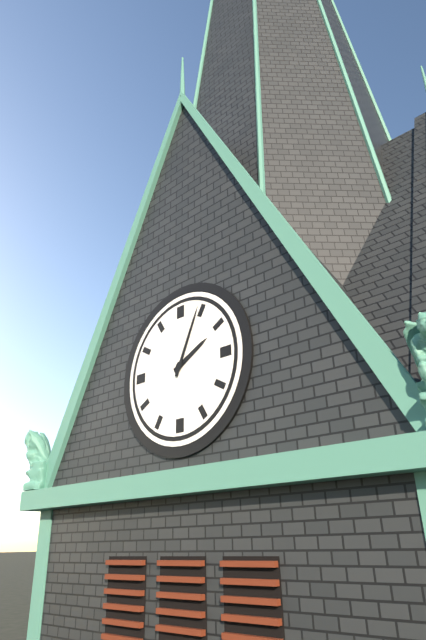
2:04
